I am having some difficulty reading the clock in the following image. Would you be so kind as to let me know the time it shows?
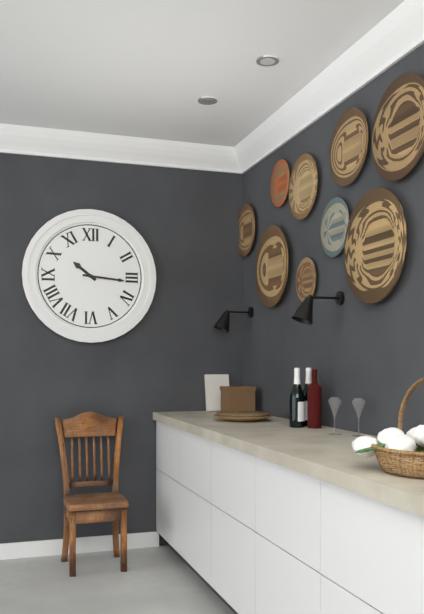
10:16
